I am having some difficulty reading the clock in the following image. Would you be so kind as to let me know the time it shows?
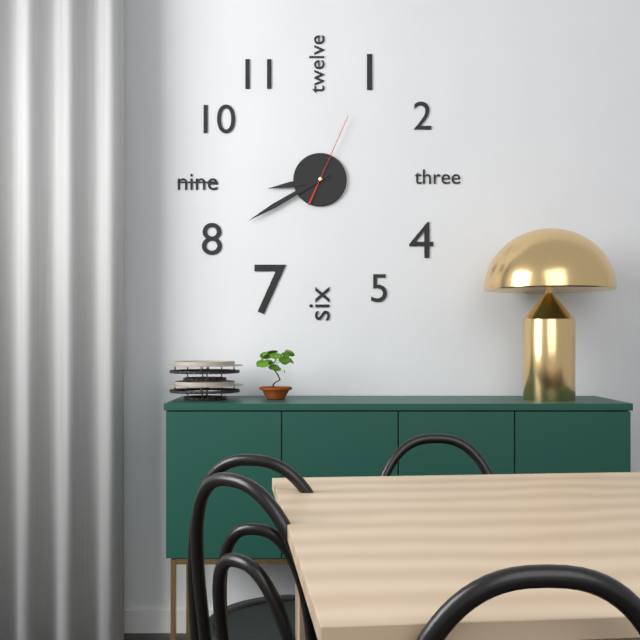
8:40:04
